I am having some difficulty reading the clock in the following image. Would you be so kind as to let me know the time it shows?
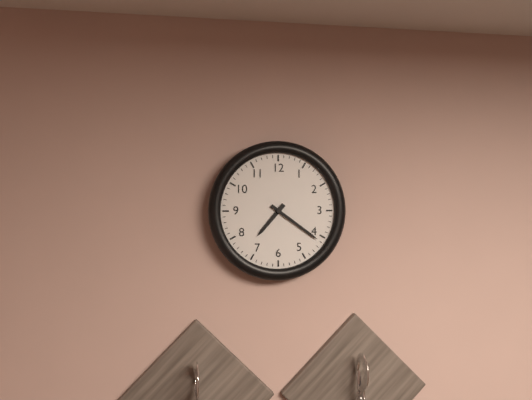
7:21
